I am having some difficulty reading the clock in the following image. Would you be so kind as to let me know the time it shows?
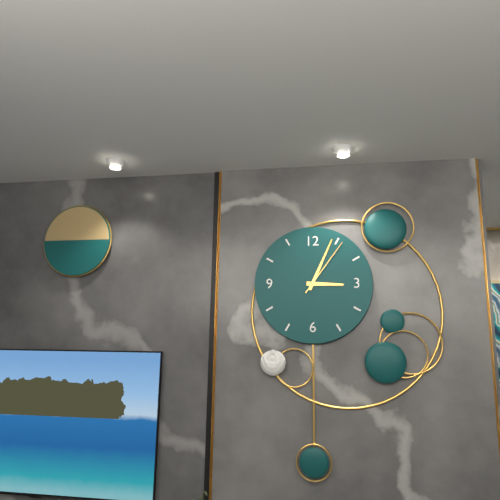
3:04:06
